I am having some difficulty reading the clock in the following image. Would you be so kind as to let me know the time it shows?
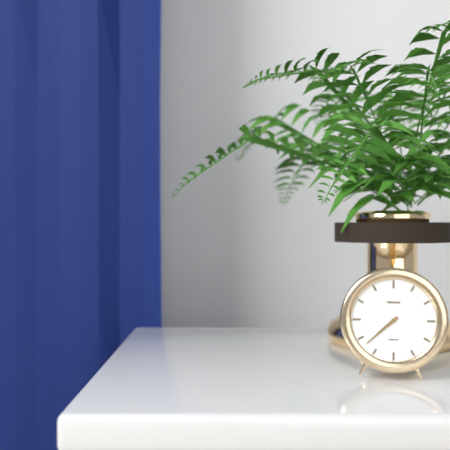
7:38
